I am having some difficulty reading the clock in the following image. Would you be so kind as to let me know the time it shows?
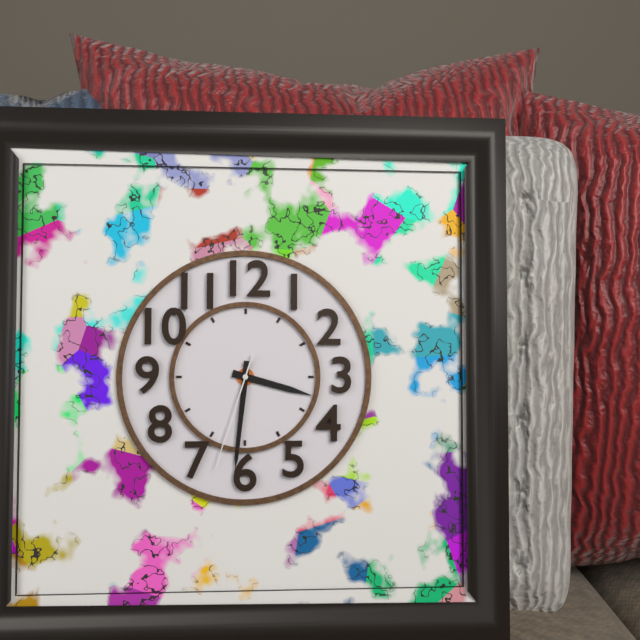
3:31:33
